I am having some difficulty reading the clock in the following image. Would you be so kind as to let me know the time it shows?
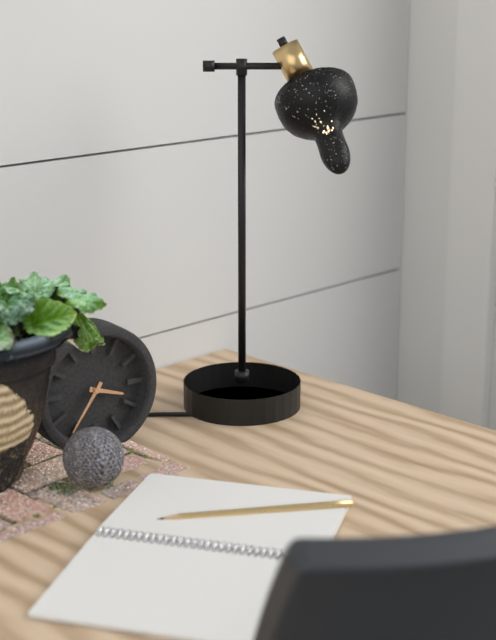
3:36
